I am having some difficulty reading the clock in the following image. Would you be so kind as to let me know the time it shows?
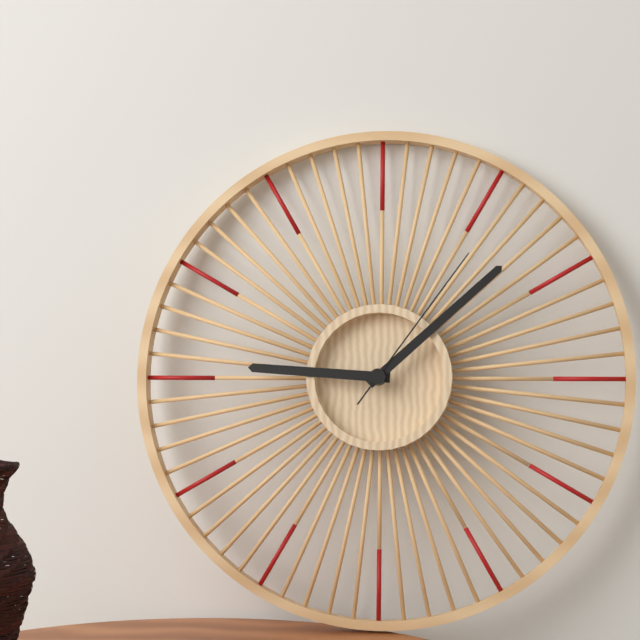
9:08:06
